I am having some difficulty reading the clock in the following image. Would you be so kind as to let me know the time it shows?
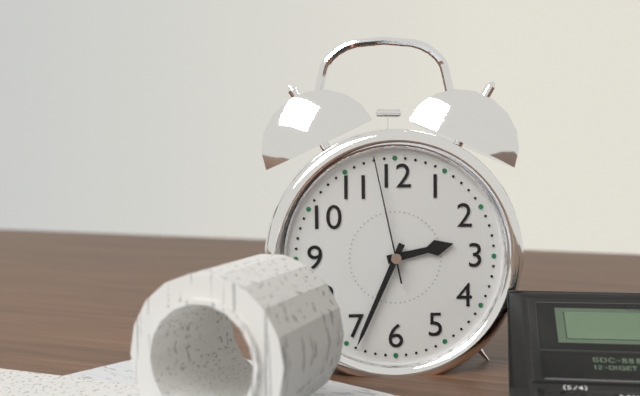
2:34:58
